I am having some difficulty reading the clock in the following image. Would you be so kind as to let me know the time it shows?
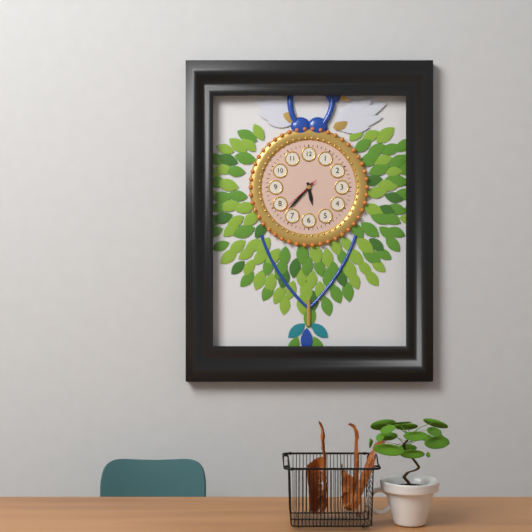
5:37
